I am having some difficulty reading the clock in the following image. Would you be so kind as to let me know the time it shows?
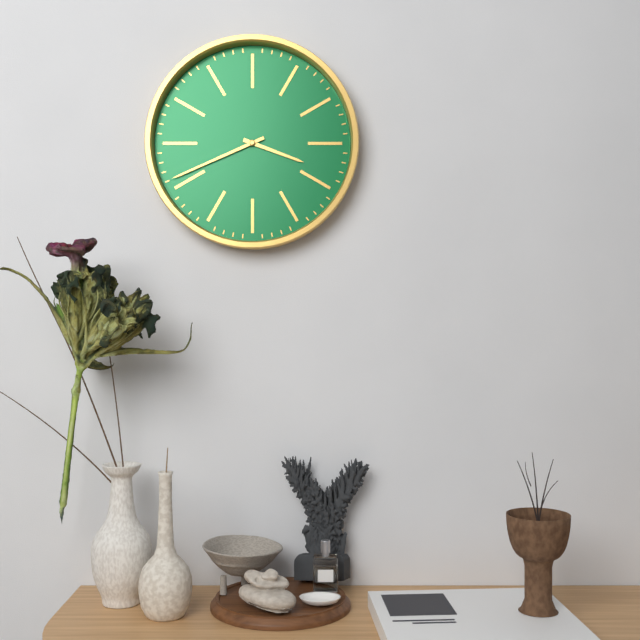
3:41
